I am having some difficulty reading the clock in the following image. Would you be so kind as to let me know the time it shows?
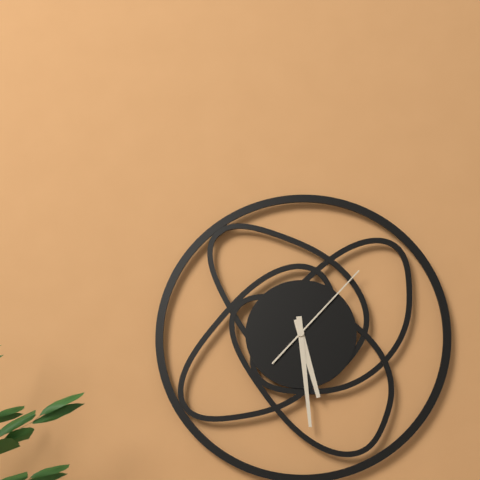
5:29:07
